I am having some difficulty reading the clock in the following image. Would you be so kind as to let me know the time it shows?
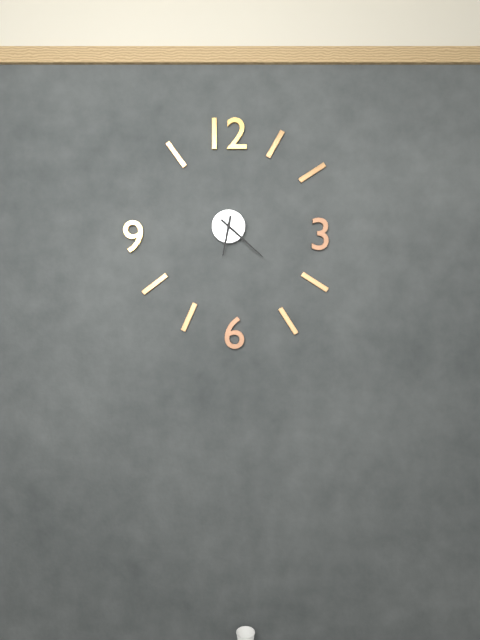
6:22
